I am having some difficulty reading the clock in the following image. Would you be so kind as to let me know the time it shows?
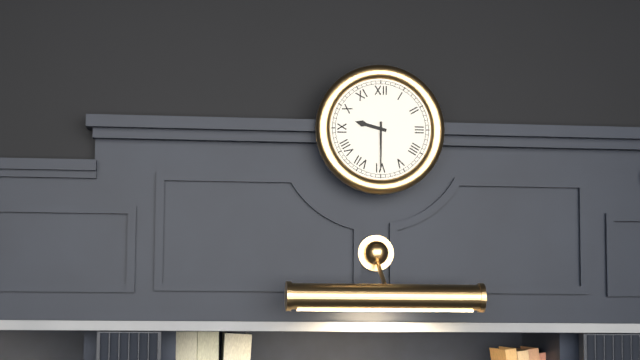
9:30
